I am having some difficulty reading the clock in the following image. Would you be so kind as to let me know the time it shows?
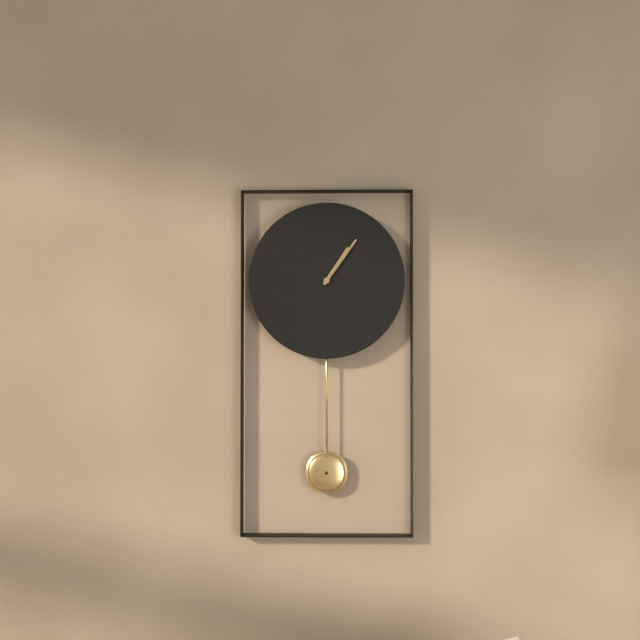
1:06
